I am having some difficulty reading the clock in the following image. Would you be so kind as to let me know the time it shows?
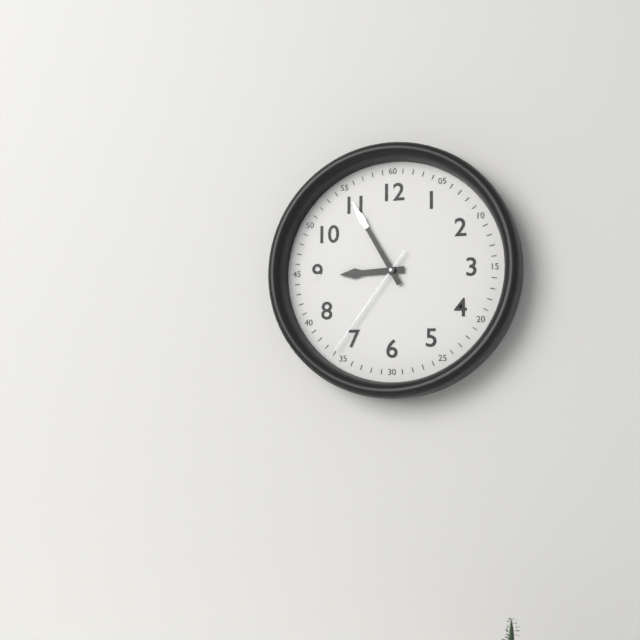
8:55:36
